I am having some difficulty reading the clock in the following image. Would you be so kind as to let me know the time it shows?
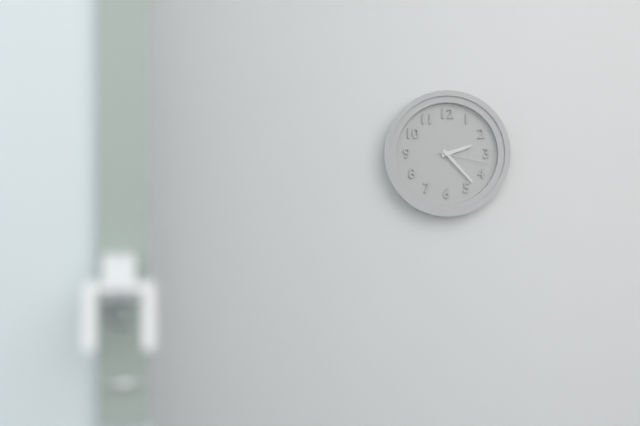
2:23:17
